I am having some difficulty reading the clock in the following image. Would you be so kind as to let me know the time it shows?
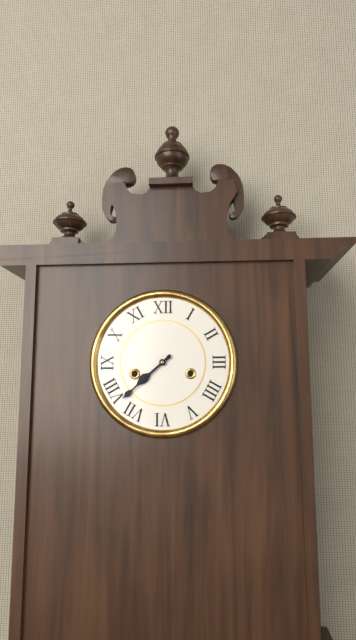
7:38
